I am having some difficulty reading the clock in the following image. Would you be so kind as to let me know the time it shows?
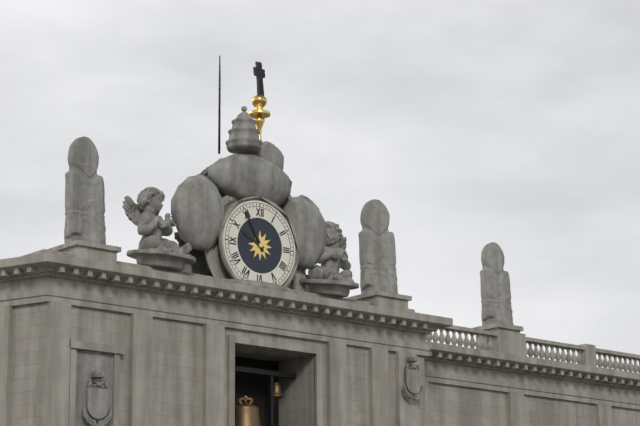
9:55
